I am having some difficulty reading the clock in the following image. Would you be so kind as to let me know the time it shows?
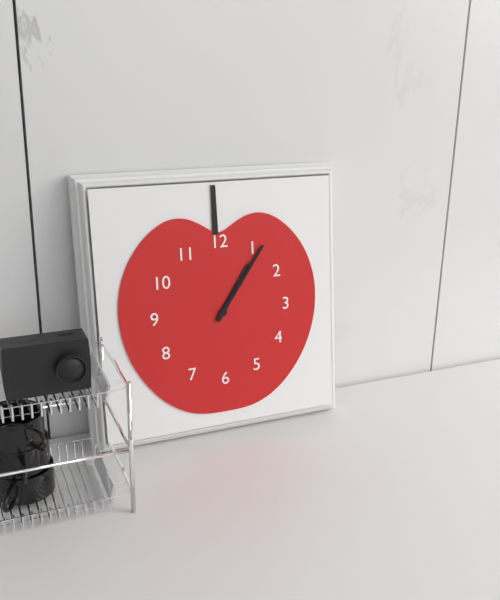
1:06
